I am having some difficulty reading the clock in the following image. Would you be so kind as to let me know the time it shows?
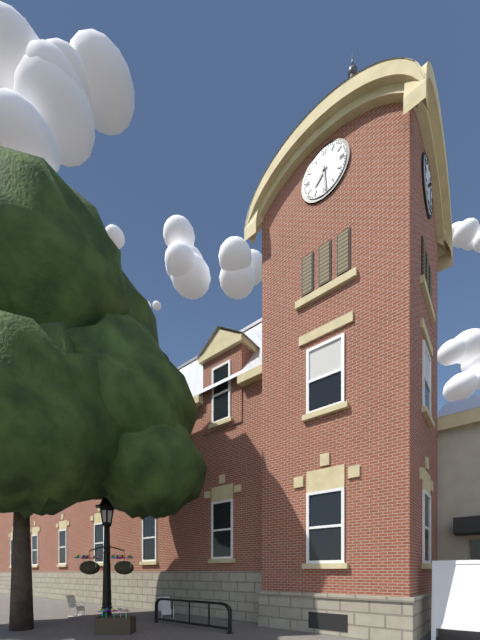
7:29
